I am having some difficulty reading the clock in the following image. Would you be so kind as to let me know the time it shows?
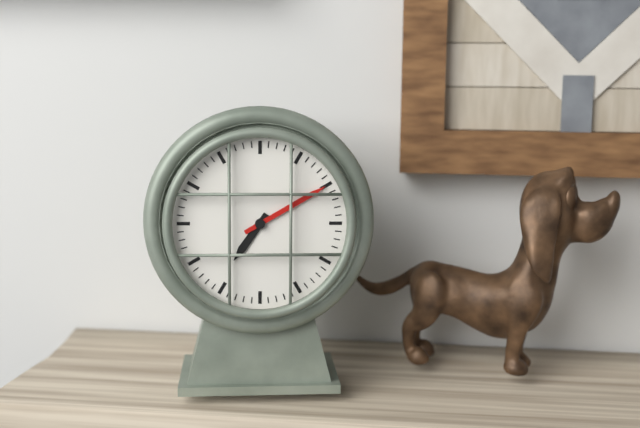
7:10
